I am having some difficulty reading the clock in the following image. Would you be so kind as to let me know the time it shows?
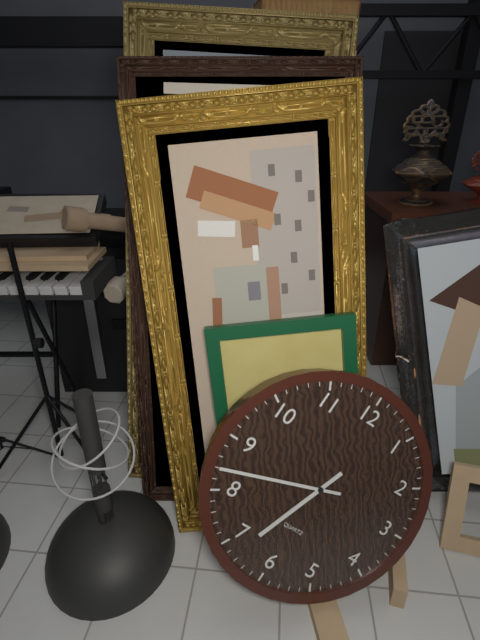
6:42
